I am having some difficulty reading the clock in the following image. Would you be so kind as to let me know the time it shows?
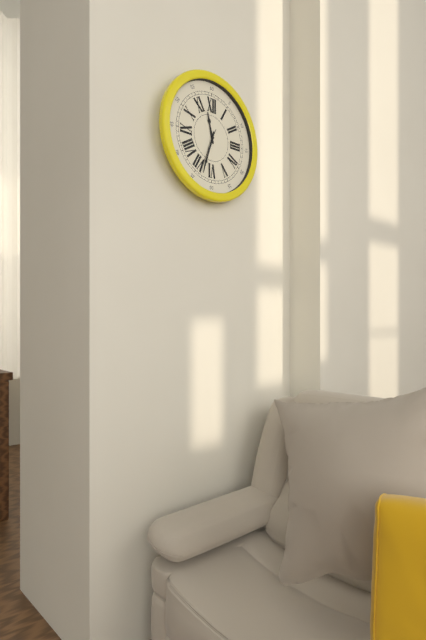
11:33
